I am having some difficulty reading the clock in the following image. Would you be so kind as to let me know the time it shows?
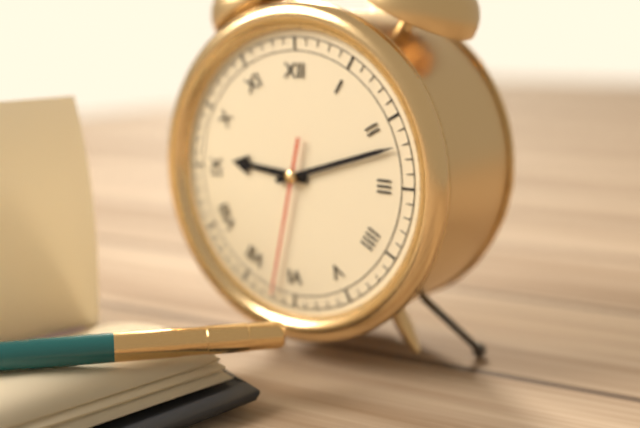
9:12:32
